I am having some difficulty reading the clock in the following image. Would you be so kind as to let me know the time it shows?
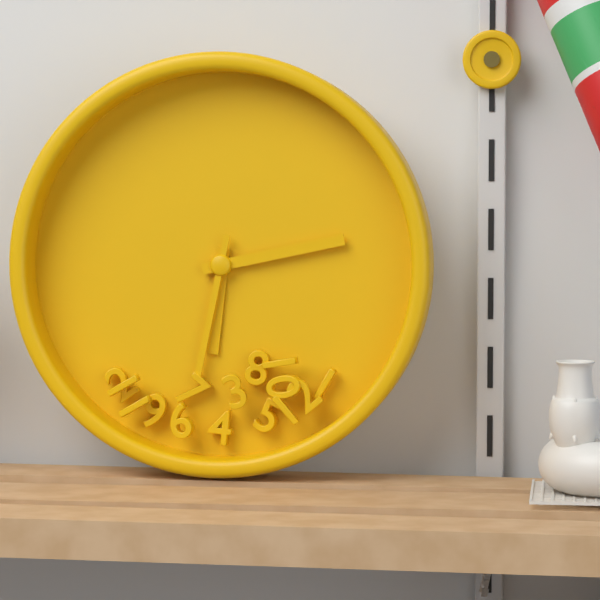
6:13:32
